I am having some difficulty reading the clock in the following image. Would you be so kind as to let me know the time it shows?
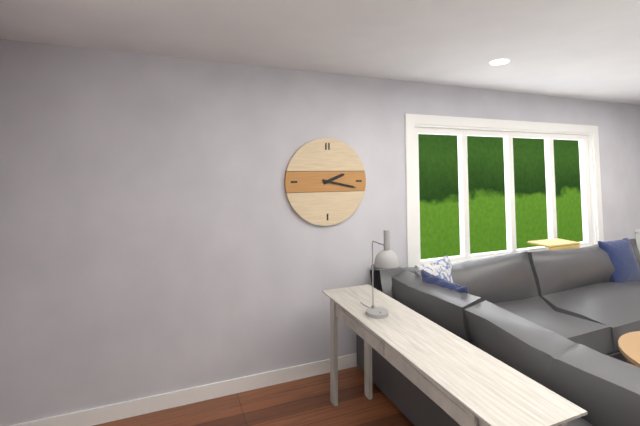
2:17
